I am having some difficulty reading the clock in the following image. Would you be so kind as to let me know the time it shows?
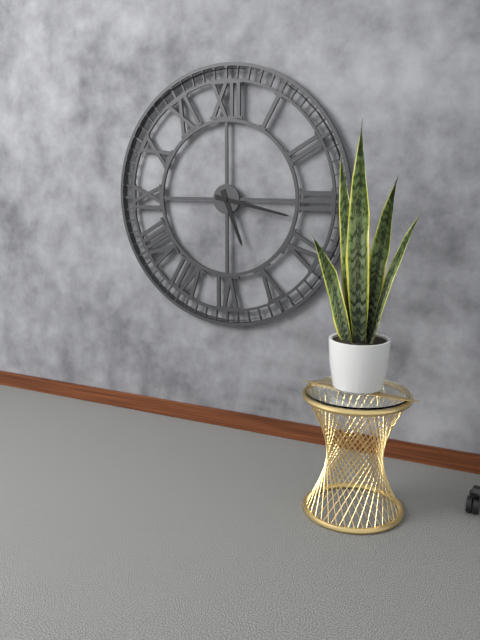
5:17
